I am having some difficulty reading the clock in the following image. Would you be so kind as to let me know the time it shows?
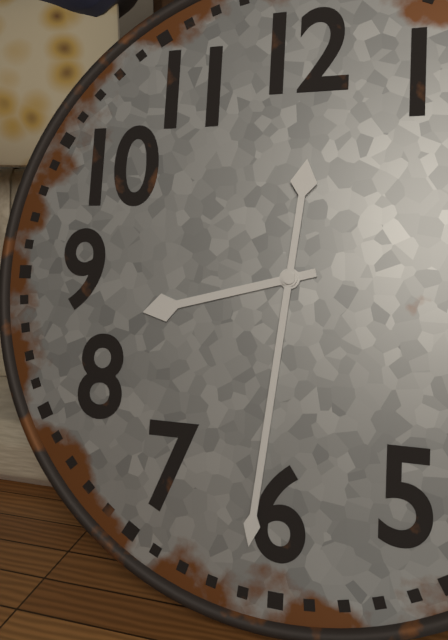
8:31
